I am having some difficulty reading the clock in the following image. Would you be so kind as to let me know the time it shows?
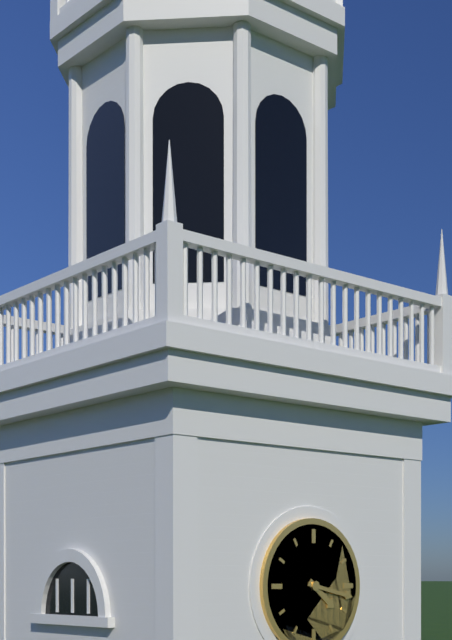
4:17
